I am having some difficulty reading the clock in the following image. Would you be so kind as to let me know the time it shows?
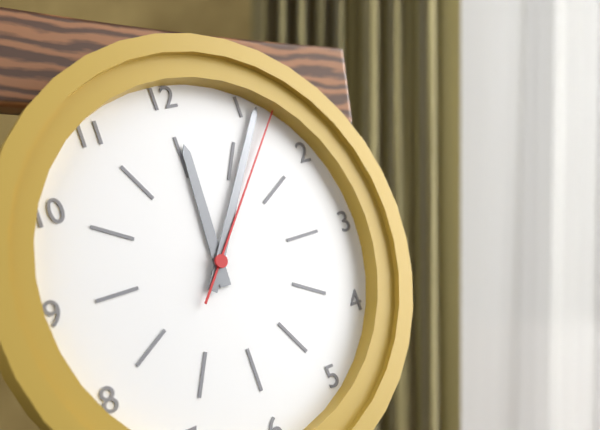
12:06:07
